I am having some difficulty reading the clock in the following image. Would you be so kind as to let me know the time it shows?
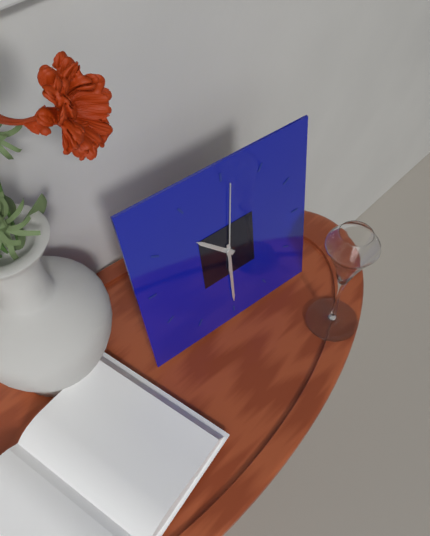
10:30:01
